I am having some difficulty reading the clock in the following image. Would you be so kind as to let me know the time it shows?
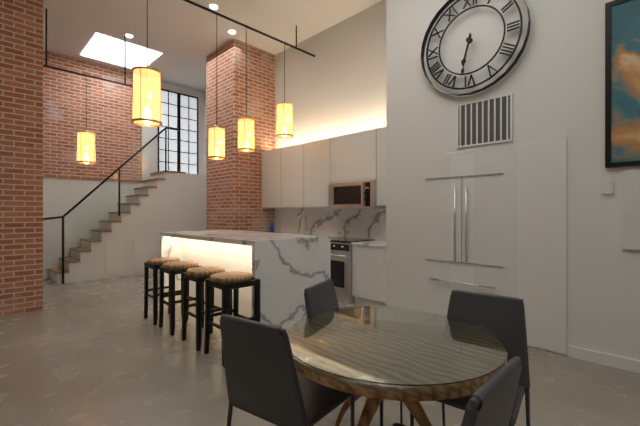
6:32
